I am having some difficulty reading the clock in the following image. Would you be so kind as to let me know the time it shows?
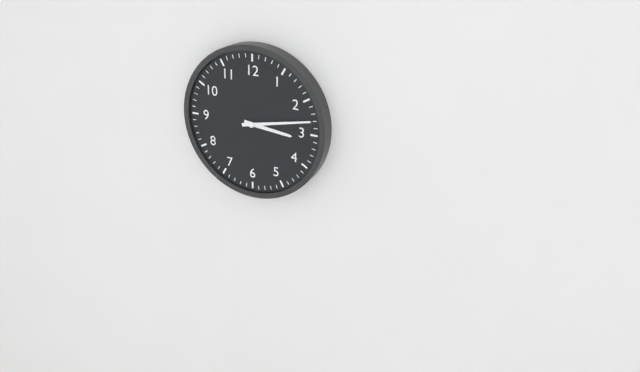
3:13
